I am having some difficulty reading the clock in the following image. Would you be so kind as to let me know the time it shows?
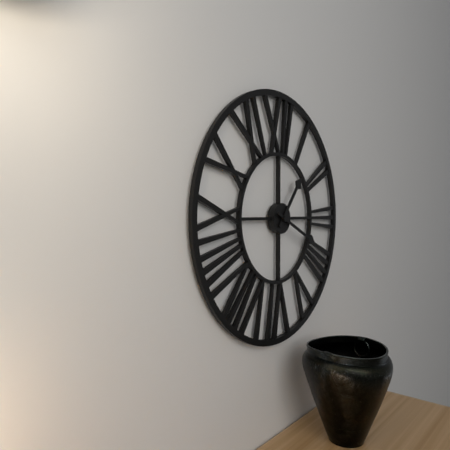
1:19
